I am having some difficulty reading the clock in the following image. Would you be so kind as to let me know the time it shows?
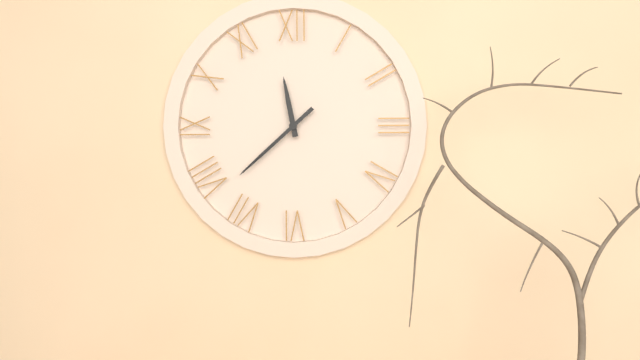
11:38
